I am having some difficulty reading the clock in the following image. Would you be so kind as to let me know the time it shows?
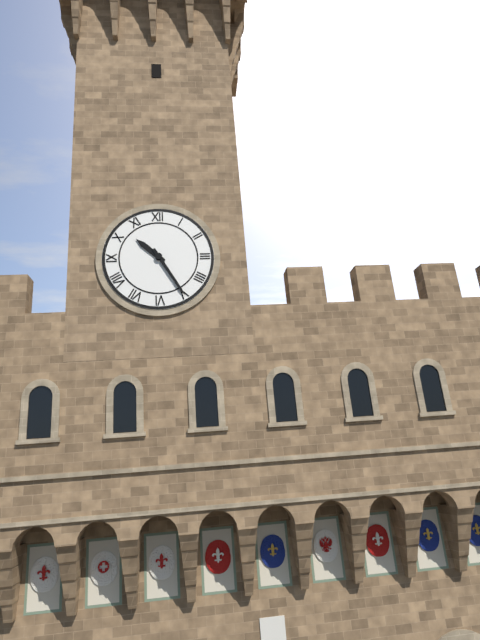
10:25
